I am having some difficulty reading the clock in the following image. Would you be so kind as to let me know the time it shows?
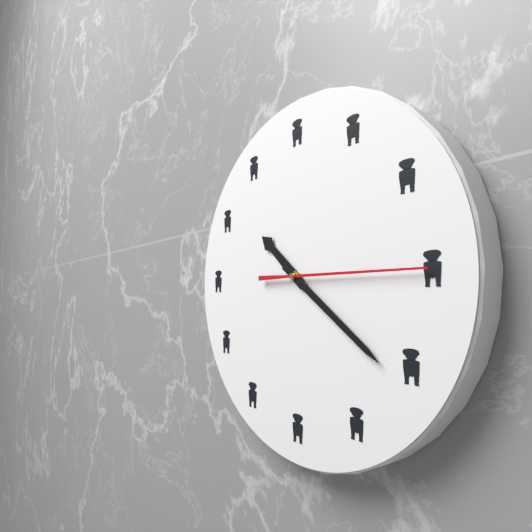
10:21:15
